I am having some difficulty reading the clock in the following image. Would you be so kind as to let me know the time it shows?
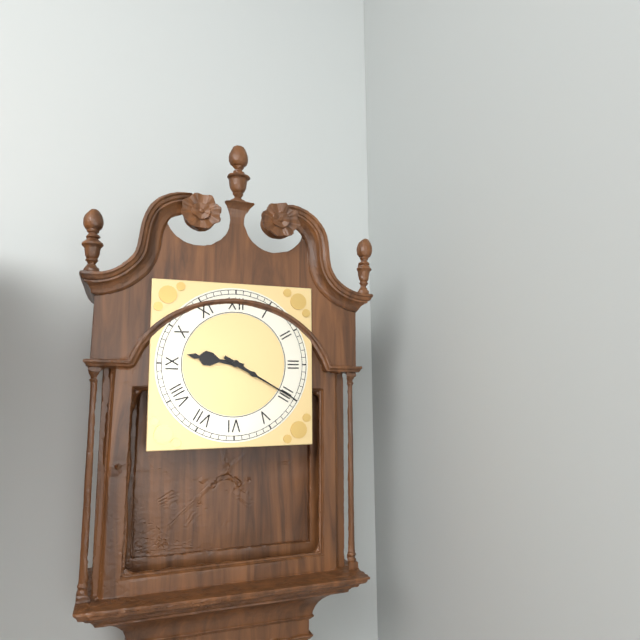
9:20
